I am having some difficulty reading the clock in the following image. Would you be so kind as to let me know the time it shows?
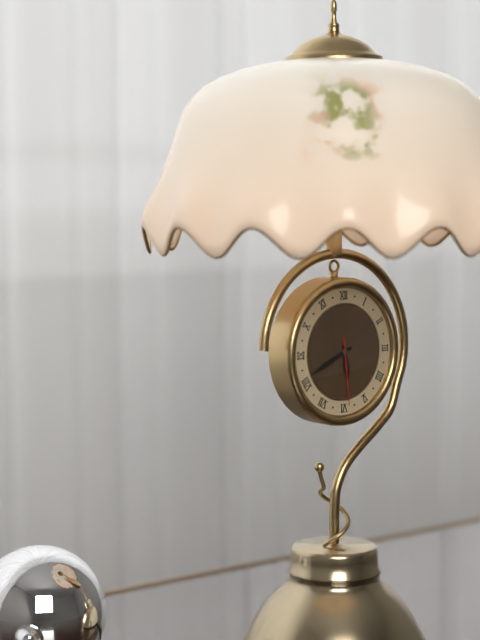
5:41:29
